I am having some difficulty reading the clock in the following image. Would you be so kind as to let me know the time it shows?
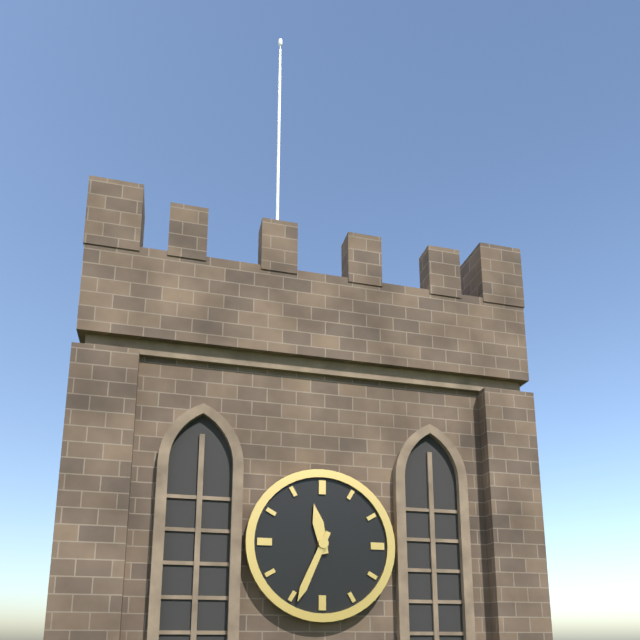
11:34
